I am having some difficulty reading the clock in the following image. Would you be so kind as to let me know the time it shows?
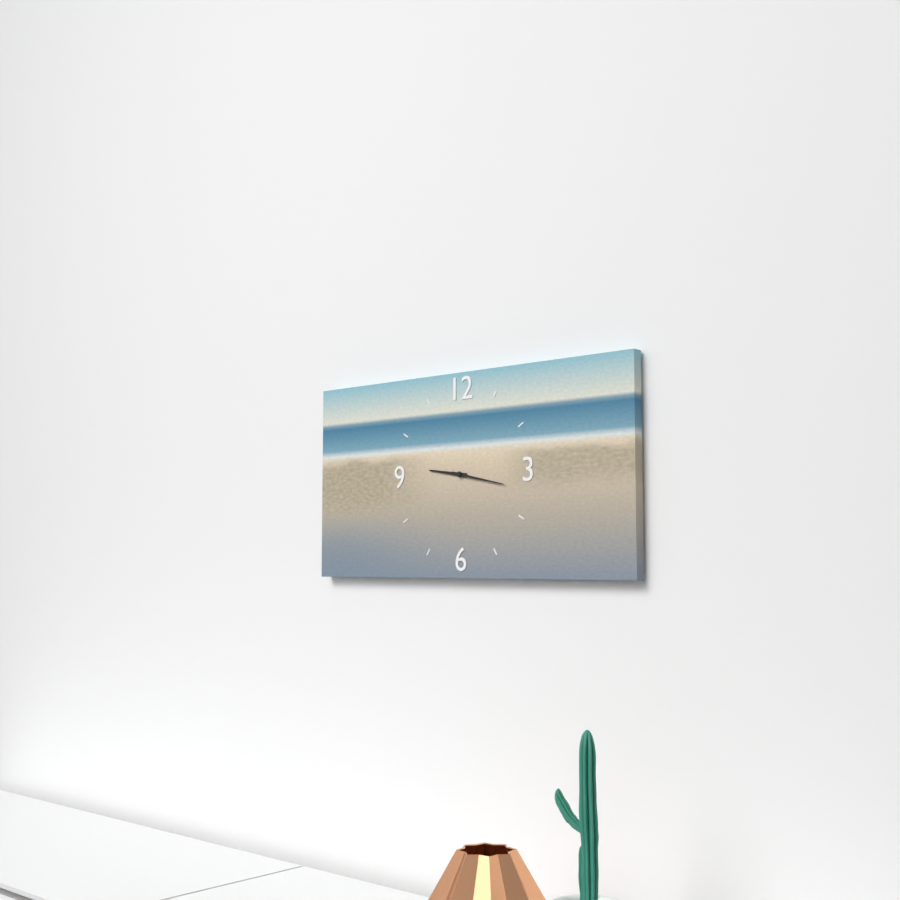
9:17
